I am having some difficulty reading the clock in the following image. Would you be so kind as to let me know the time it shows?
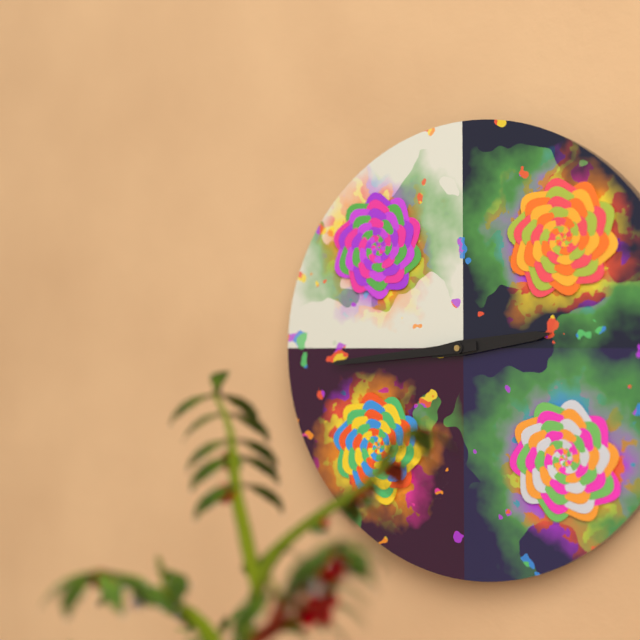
2:44
